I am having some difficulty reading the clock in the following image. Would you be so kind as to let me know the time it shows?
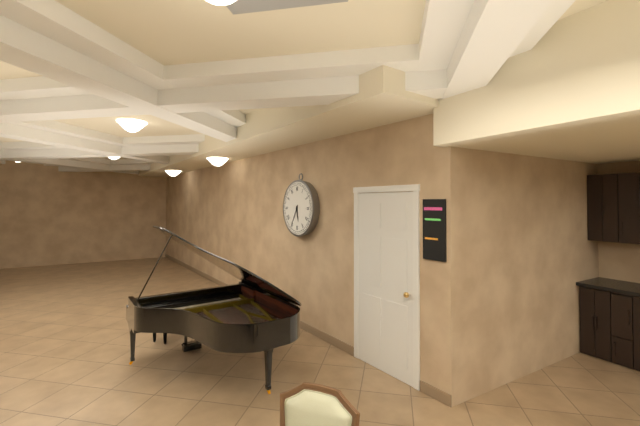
5:35
